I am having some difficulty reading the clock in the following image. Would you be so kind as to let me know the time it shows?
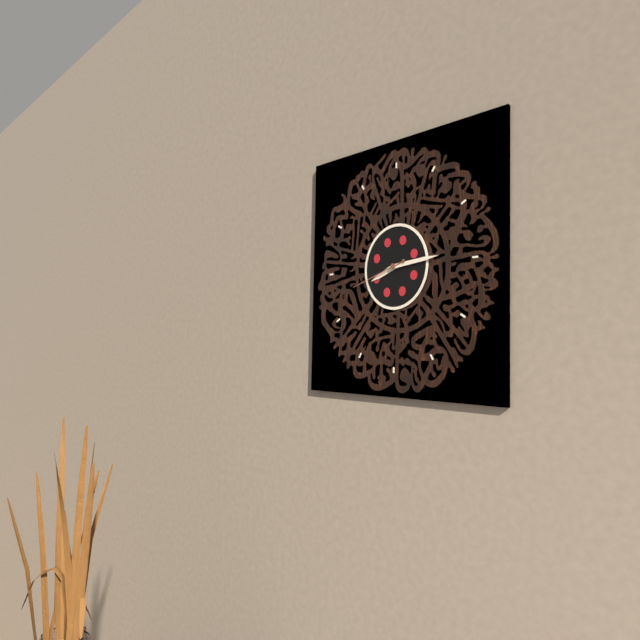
8:14:42
